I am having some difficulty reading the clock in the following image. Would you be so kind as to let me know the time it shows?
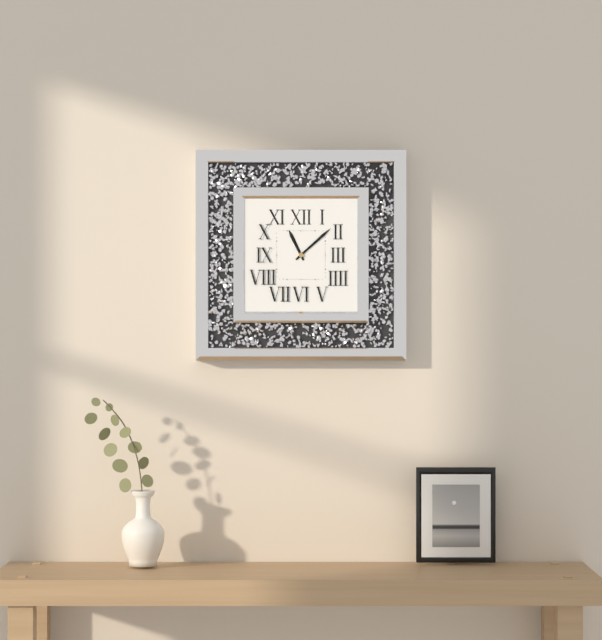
11:08
